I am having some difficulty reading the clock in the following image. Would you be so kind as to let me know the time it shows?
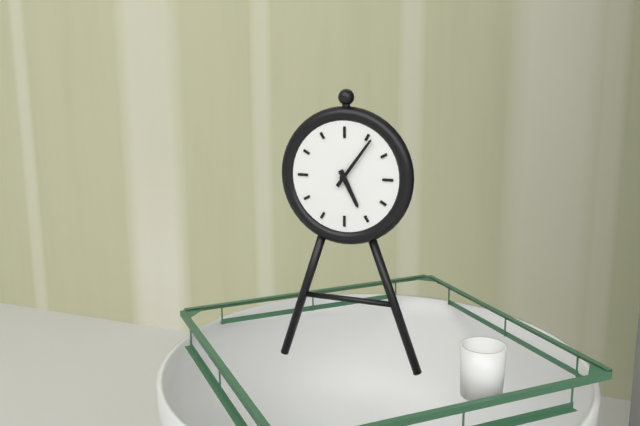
5:06
